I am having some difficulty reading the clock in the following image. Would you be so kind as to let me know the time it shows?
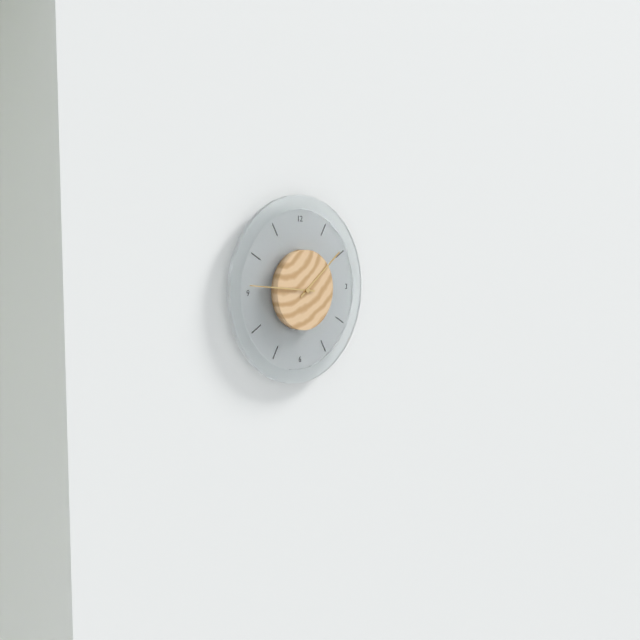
1:46
